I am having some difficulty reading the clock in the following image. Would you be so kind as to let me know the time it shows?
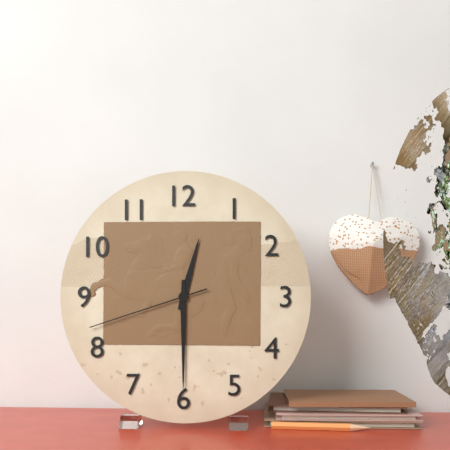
12:30:42
